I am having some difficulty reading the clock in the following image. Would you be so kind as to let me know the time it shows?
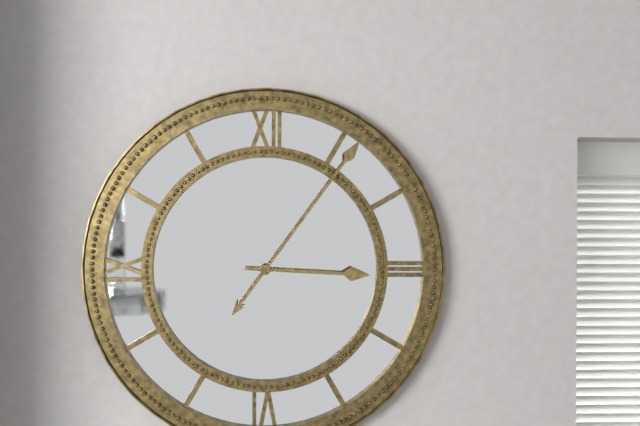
3:06
